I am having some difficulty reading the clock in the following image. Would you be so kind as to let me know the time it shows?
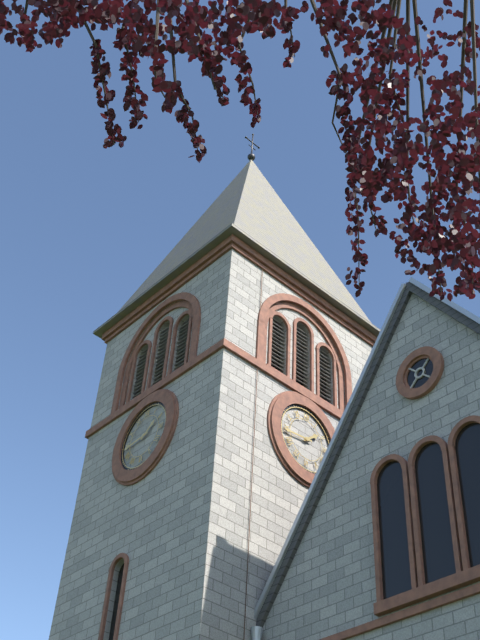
1:44
